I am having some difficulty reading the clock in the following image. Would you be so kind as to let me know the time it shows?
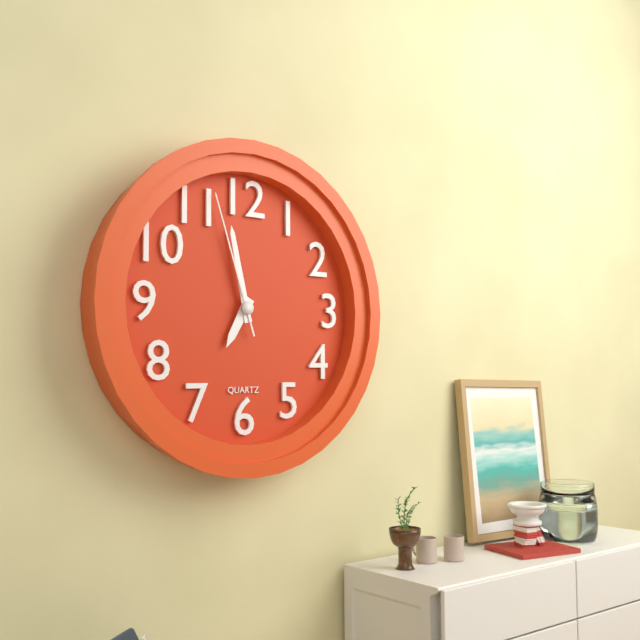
6:58:57
